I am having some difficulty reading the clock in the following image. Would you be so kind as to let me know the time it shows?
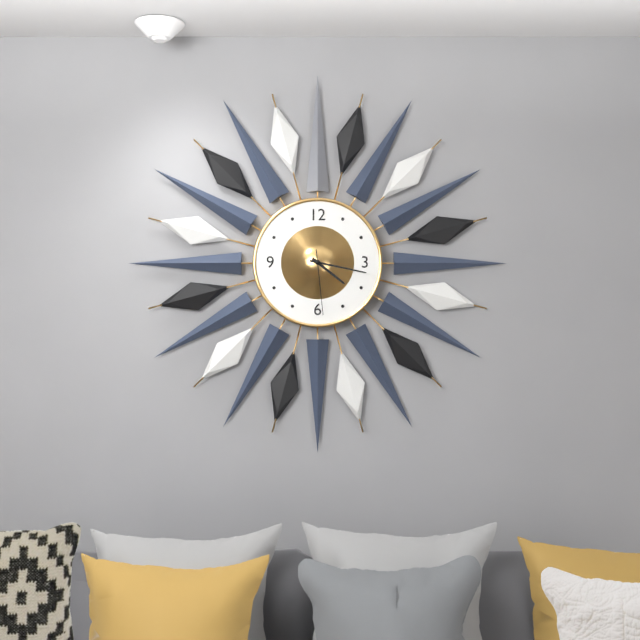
4:17:29
